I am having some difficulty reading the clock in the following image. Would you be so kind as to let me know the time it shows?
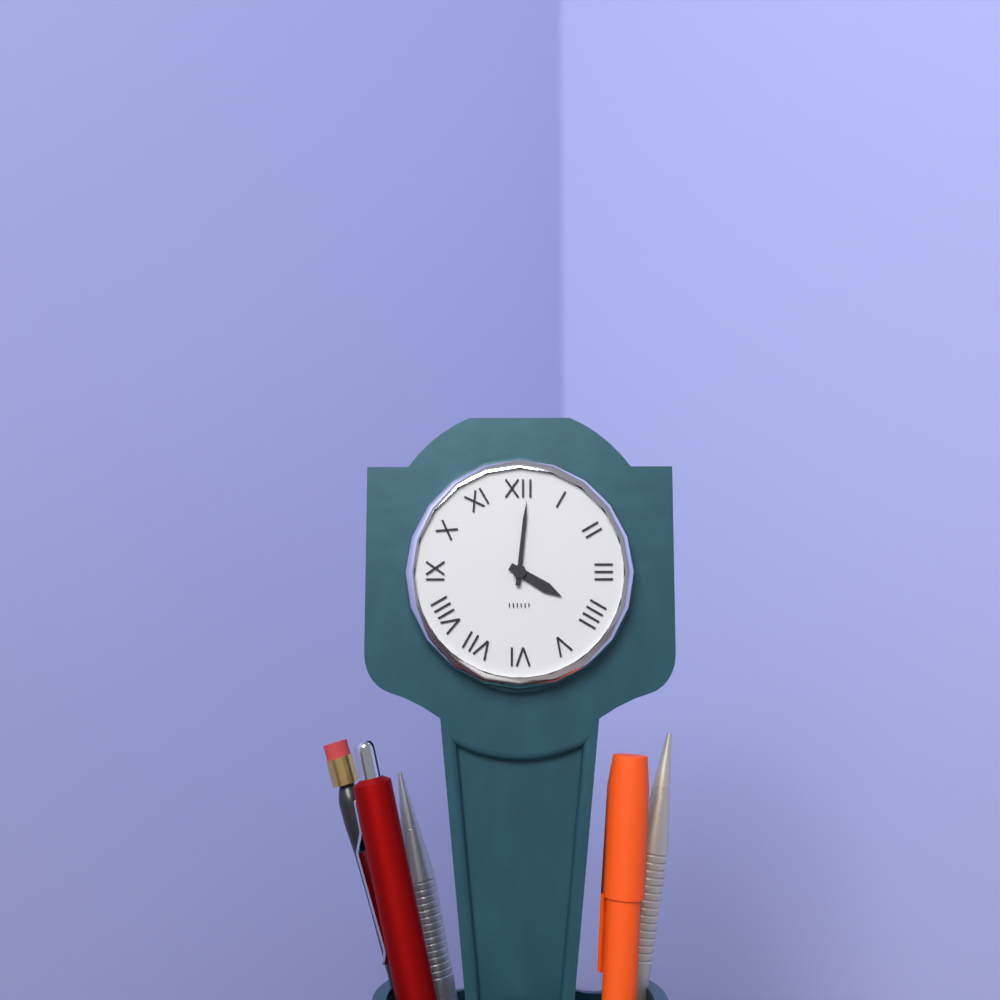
4:01
